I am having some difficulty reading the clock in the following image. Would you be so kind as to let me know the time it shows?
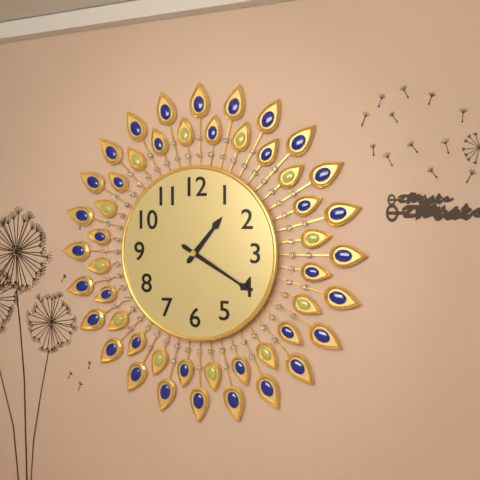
1:20
